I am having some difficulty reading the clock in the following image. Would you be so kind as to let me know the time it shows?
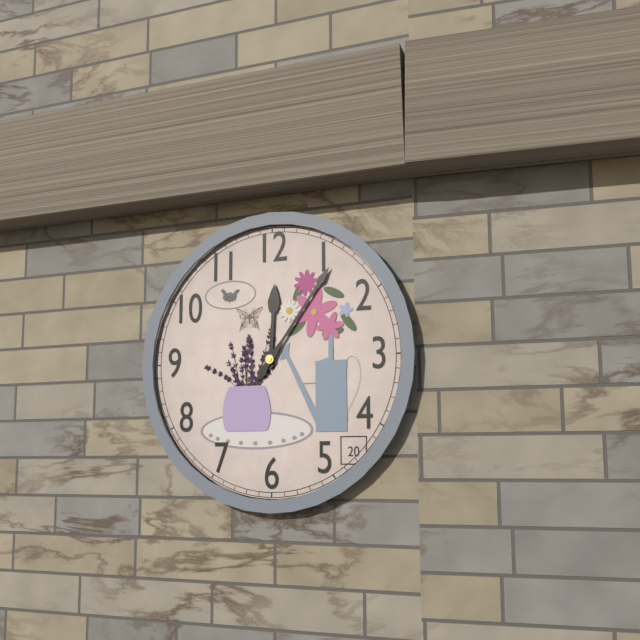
12:06
